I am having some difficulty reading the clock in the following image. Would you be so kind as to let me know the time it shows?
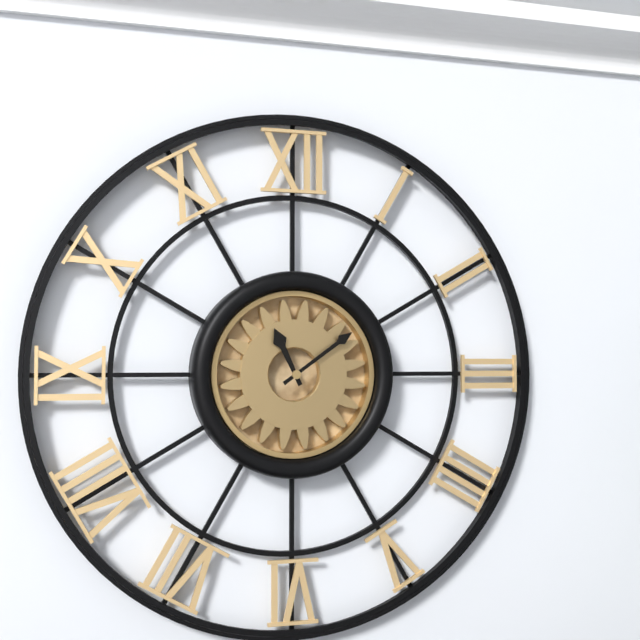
11:09
